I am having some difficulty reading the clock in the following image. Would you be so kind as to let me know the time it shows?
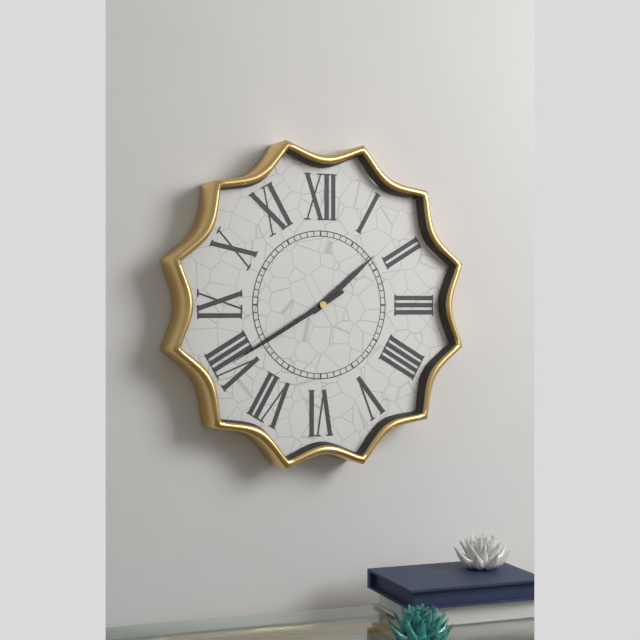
1:40
